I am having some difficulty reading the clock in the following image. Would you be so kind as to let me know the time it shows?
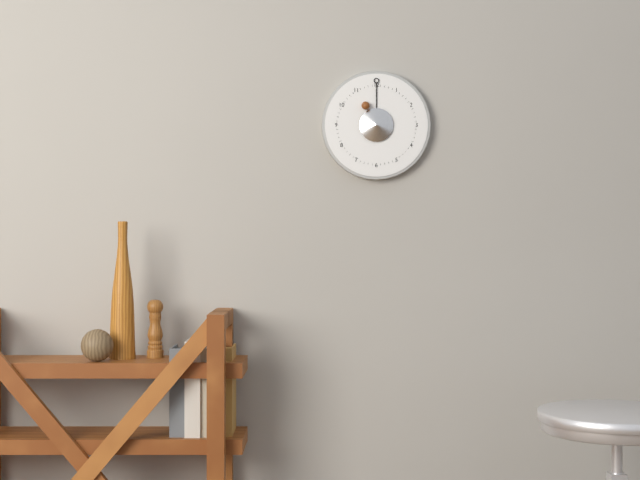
11:00
